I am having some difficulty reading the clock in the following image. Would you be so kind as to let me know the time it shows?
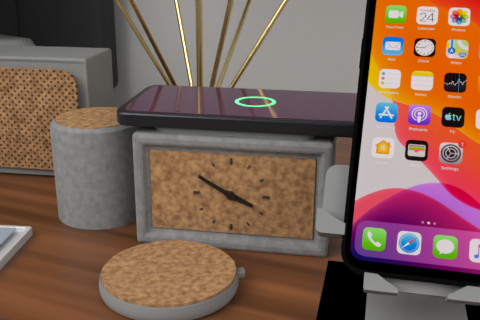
3:50
